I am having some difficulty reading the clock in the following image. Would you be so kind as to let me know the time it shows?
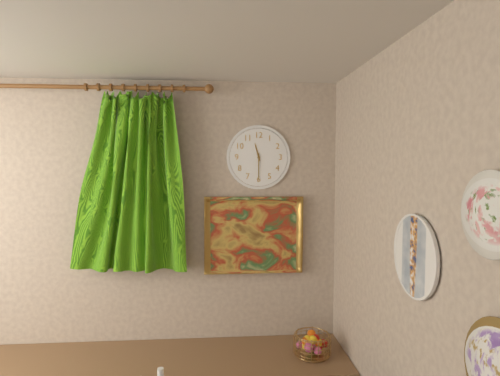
11:30
